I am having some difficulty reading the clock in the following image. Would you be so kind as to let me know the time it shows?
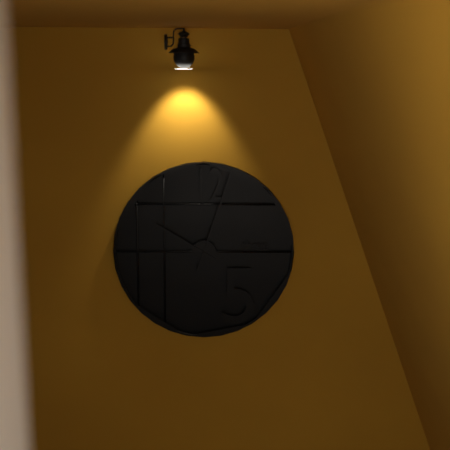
10:03
